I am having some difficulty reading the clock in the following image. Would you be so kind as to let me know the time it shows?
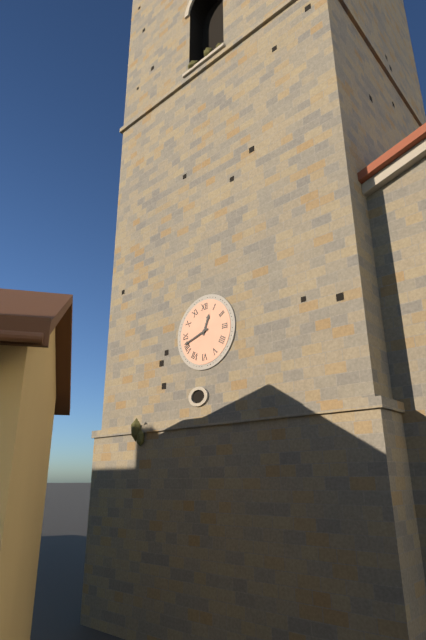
12:42
